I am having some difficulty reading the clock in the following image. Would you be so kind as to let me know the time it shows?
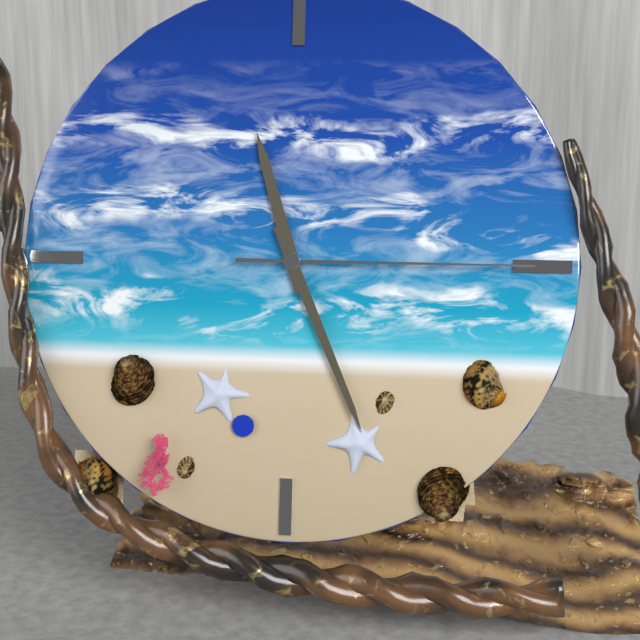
11:26:15
